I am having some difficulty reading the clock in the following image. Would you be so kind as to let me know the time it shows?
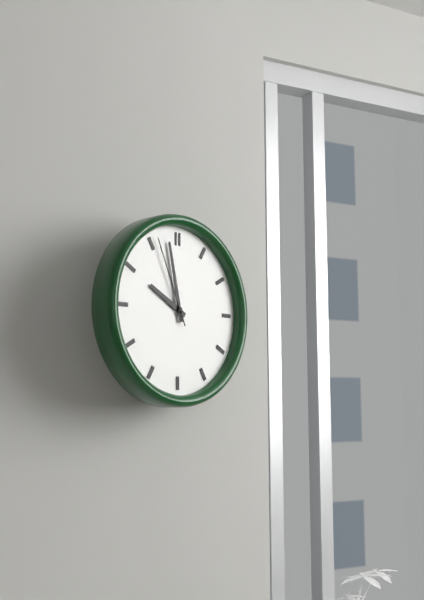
9:58:56
